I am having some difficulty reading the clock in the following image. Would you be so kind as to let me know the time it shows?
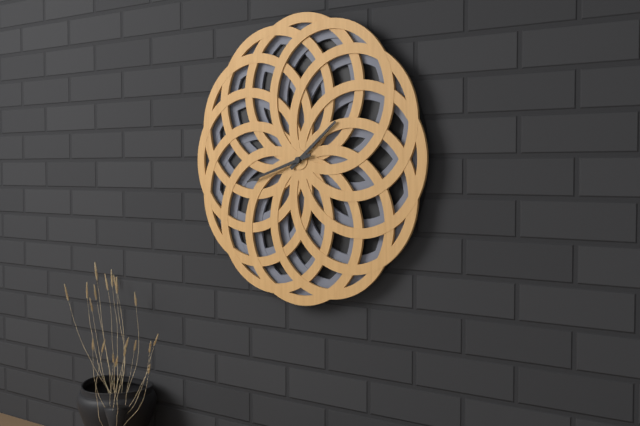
1:42
